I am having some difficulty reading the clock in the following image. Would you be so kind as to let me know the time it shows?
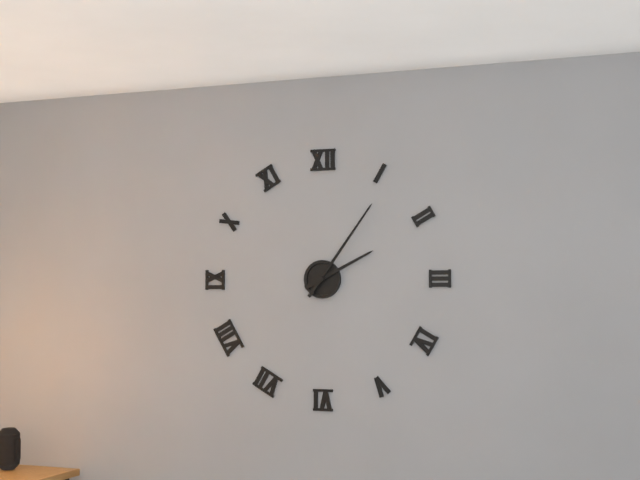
2:06
